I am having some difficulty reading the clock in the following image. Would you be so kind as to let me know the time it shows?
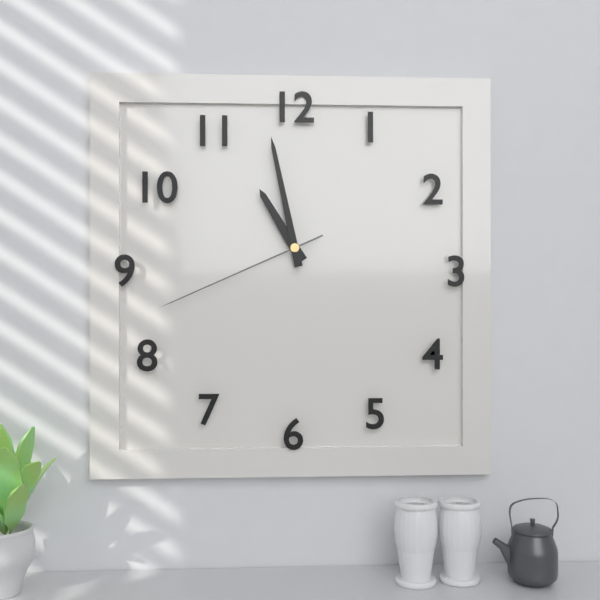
10:58:41
